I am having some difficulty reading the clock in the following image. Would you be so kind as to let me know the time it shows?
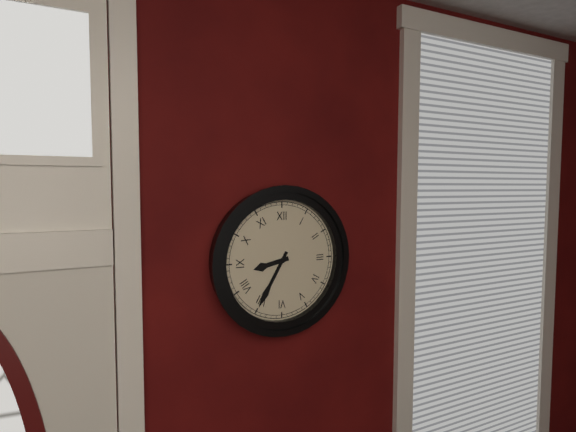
8:35
